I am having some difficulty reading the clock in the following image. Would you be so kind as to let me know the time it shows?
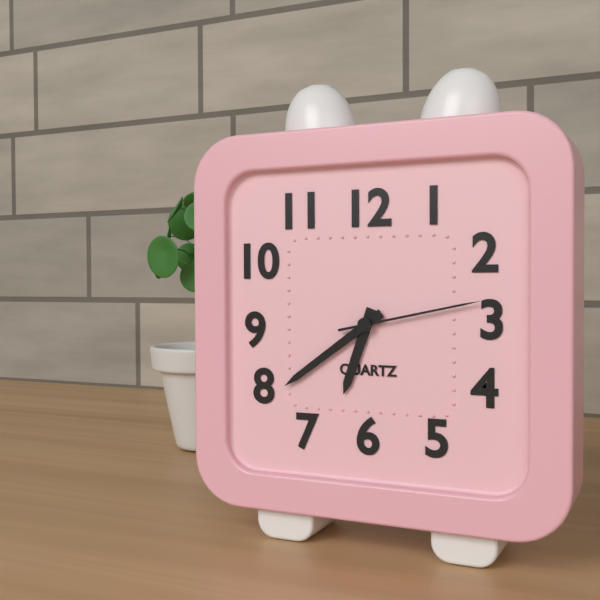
6:39:13
